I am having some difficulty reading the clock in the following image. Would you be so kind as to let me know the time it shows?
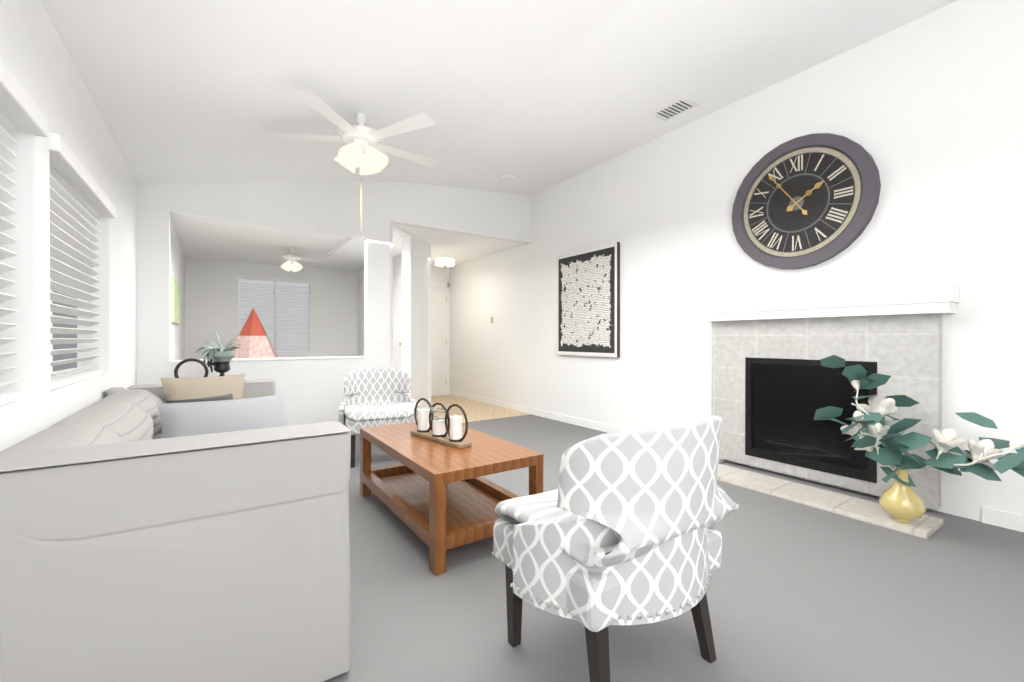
1:54
